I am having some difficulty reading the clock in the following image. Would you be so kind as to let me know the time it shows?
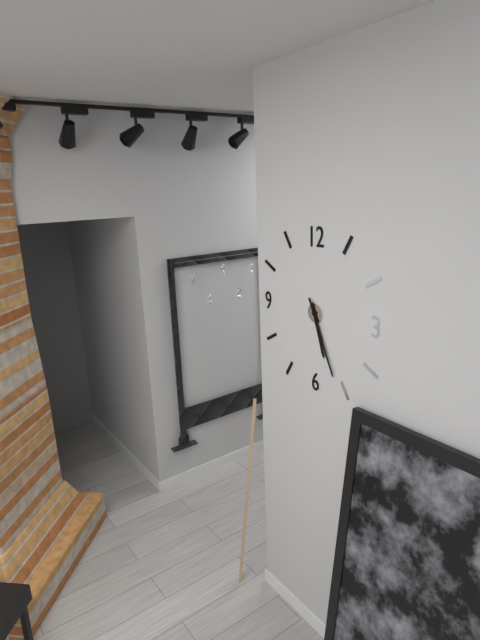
5:26
